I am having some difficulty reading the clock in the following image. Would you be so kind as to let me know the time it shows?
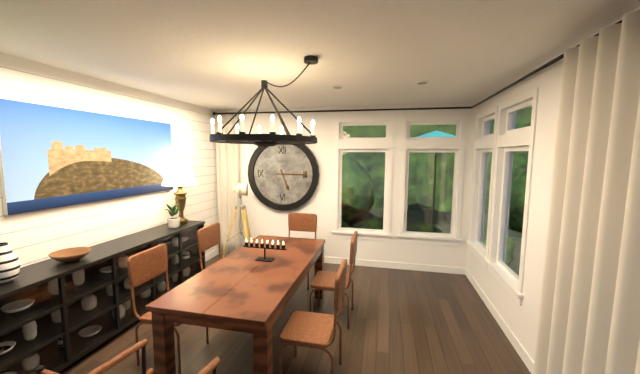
5:15
